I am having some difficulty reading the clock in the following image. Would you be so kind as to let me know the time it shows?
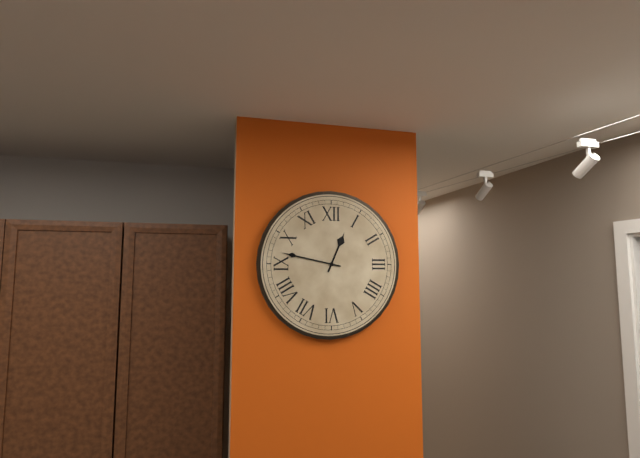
12:47
